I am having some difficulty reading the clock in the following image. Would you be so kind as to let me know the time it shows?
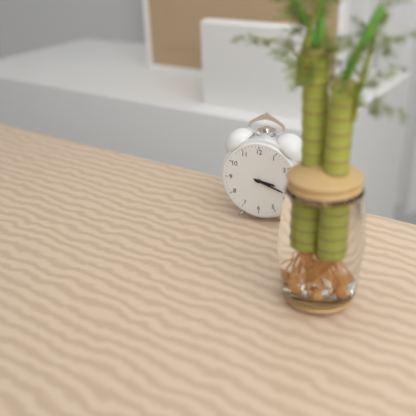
3:18
